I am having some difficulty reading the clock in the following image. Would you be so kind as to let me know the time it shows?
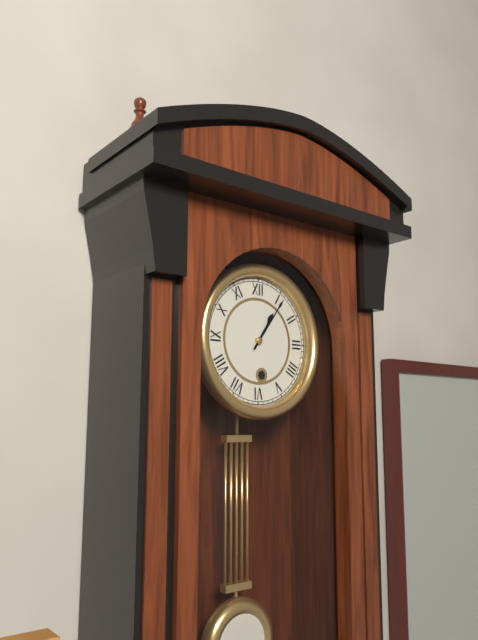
1:06
